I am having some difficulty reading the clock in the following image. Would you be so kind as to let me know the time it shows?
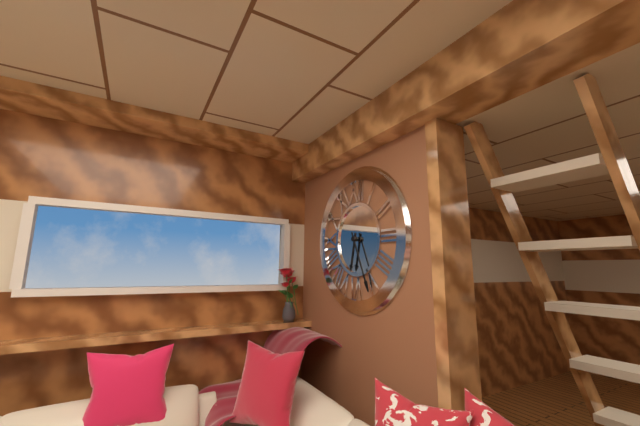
6:26
